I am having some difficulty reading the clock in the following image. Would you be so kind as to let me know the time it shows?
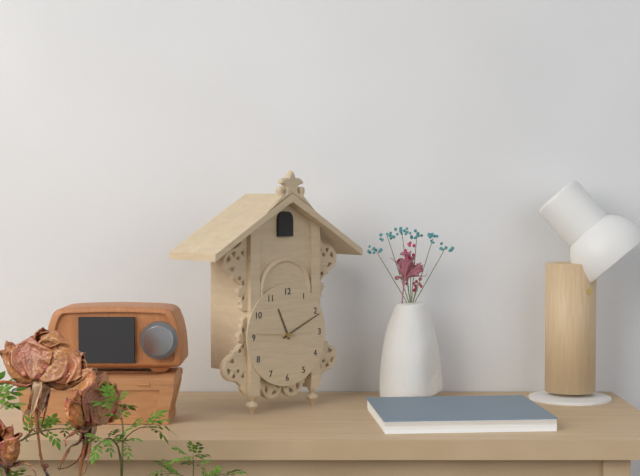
11:11
